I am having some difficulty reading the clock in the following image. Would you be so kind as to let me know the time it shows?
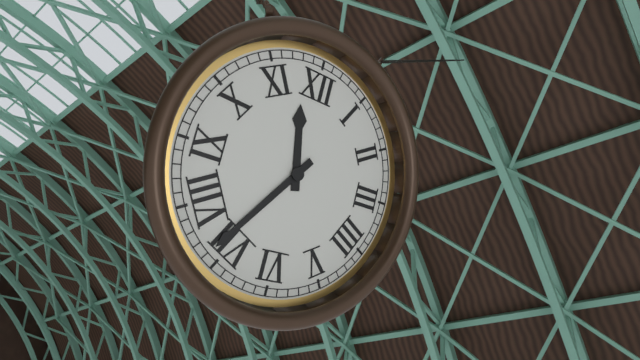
11:36
